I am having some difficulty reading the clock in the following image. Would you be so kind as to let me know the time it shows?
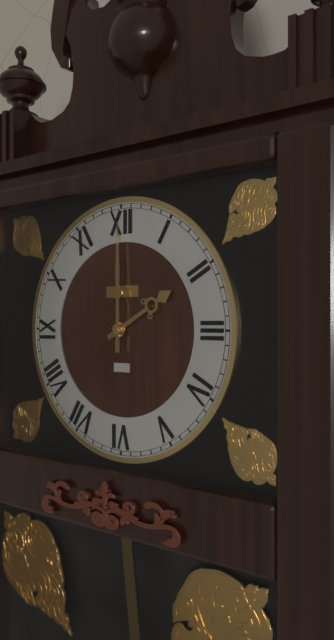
2:00
